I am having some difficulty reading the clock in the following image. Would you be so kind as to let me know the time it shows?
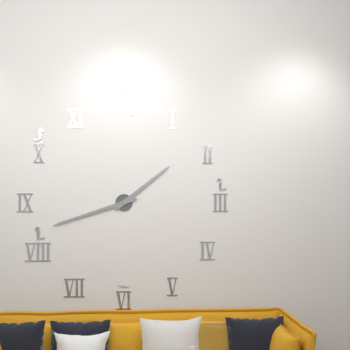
1:42
